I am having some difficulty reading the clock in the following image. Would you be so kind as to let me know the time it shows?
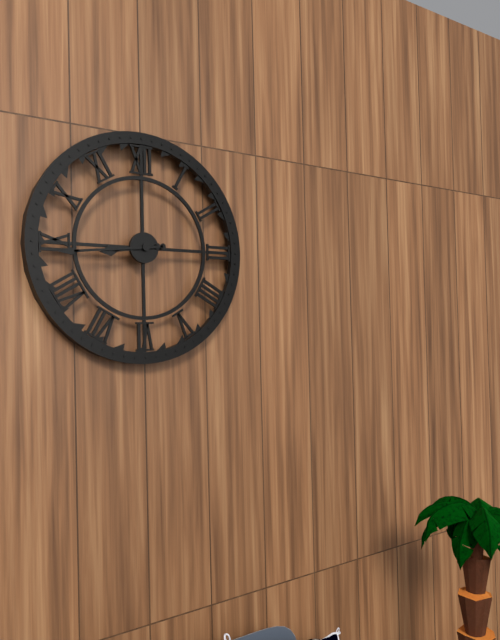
8:44
